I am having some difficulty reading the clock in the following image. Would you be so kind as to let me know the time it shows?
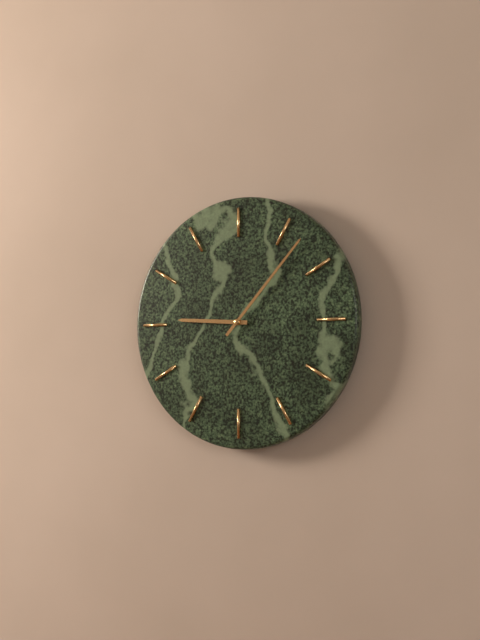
9:07
